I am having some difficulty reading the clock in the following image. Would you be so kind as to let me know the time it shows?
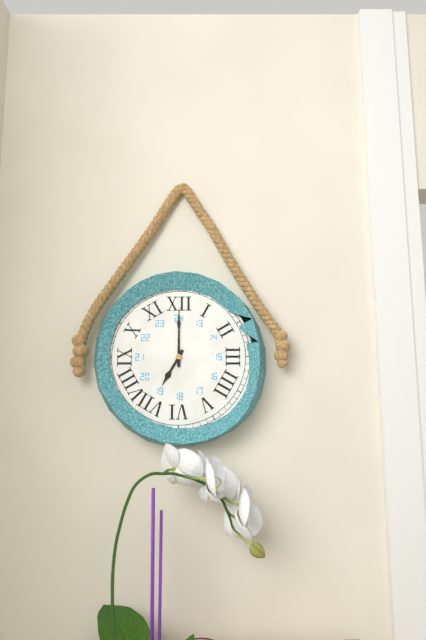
7:00
